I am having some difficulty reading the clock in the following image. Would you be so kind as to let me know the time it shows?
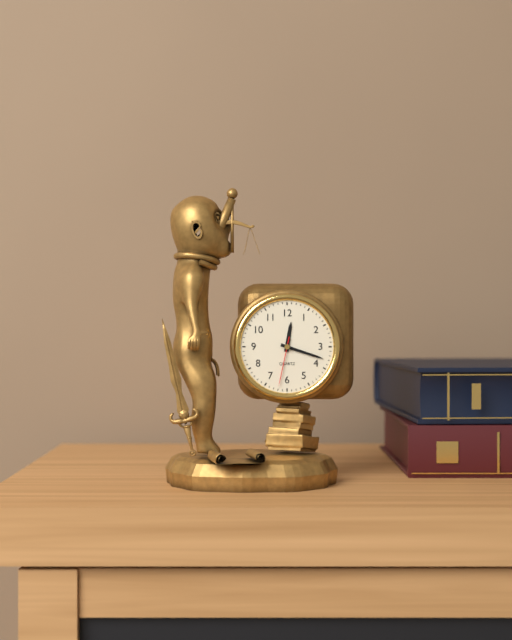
12:18:32
